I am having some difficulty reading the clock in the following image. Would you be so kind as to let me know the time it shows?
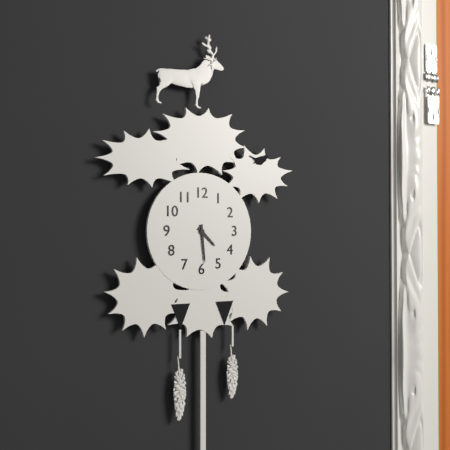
4:29
